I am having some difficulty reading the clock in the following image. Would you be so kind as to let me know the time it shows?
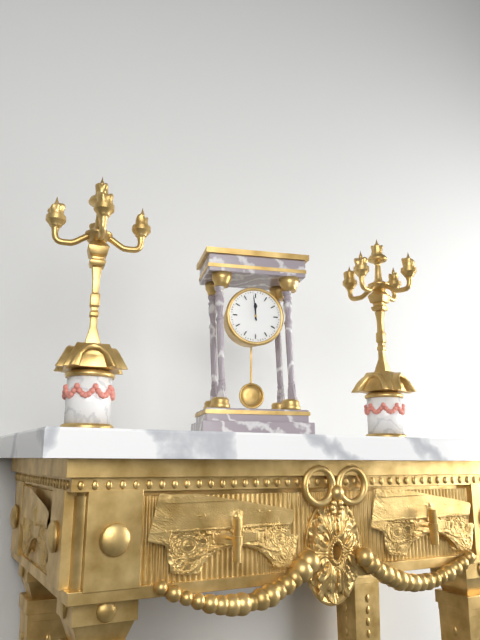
11:59
